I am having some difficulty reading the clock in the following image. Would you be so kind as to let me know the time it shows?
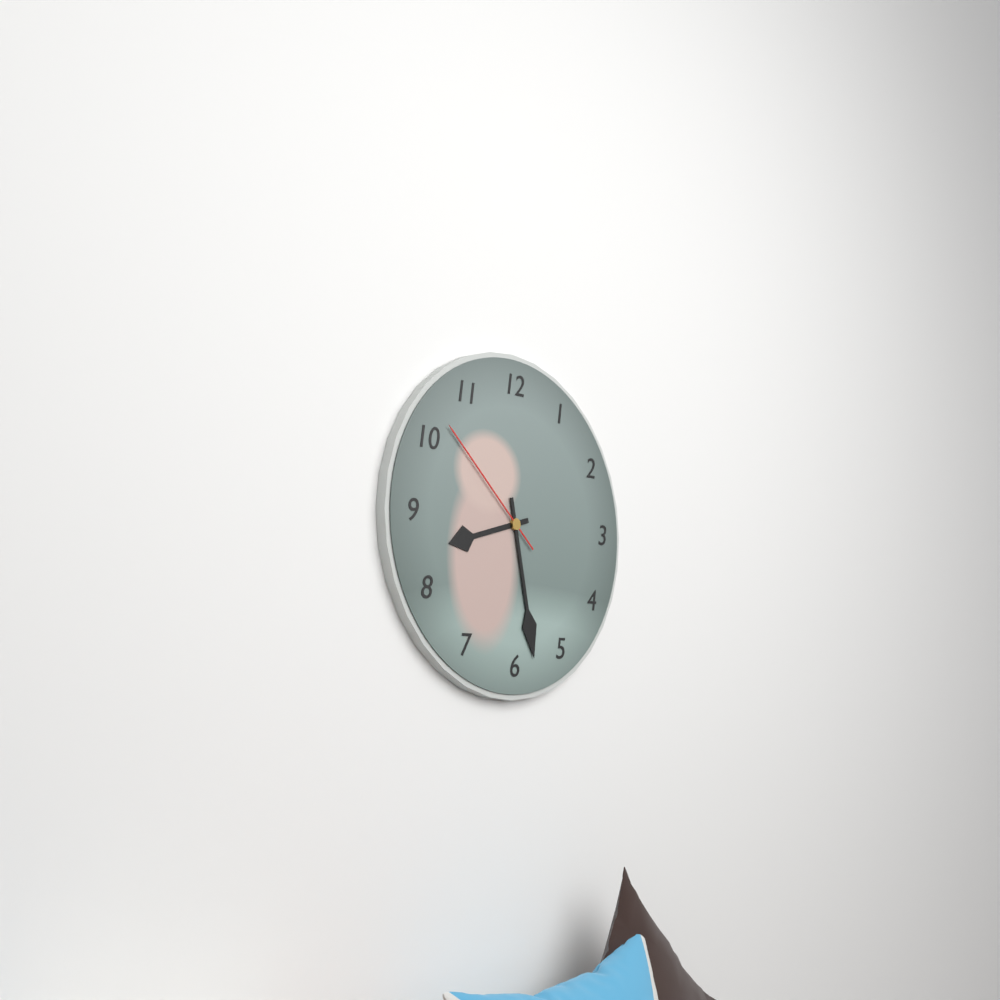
8:28:52
